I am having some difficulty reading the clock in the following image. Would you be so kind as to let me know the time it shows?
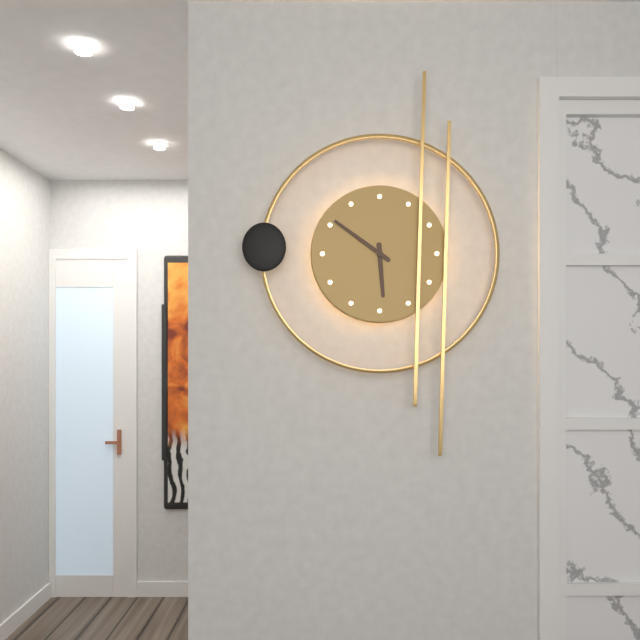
5:51
